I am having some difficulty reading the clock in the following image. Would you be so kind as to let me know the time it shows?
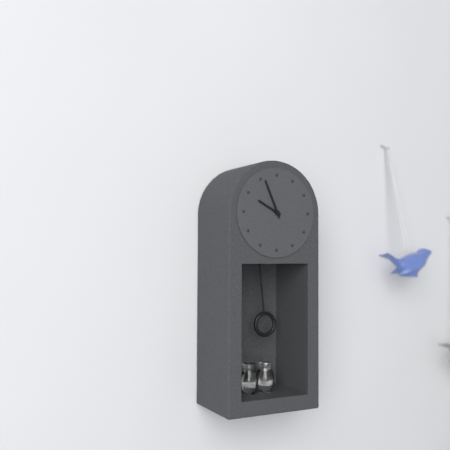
9:56
